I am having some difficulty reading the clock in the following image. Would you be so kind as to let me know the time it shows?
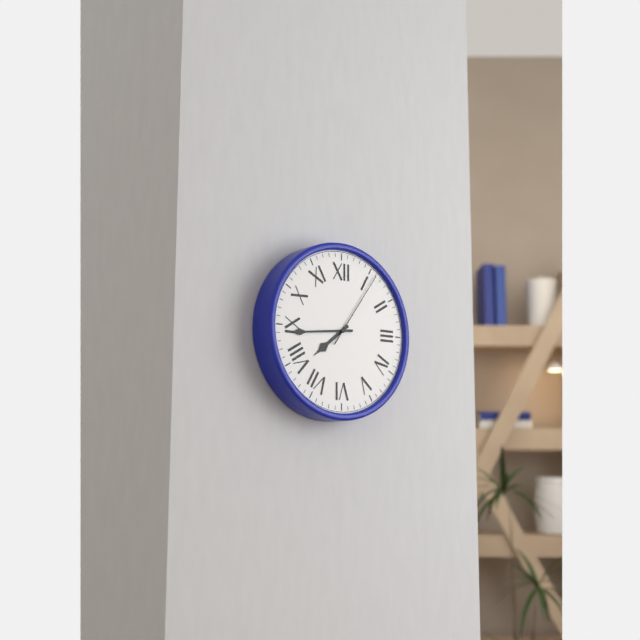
7:44:06
